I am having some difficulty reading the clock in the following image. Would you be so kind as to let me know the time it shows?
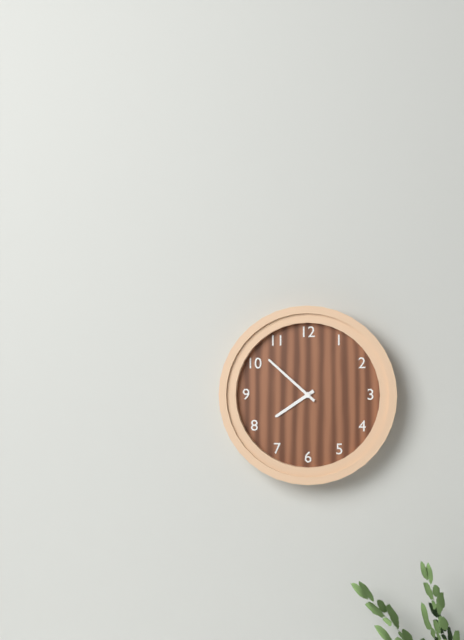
7:52
